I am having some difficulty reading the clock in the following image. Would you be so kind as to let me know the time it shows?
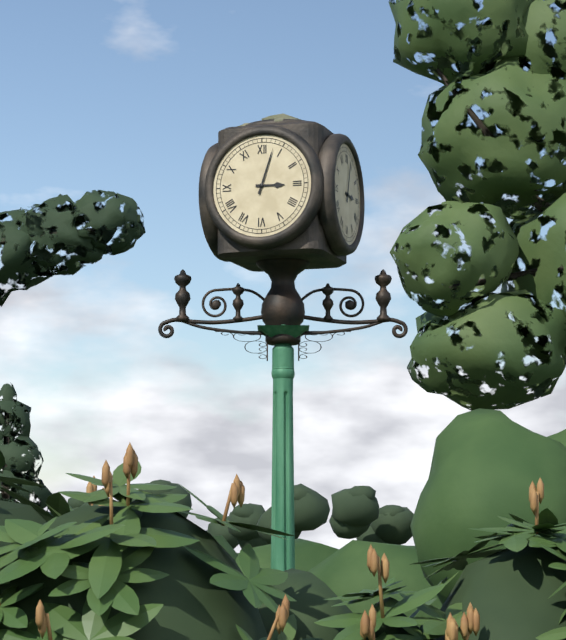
3:03
